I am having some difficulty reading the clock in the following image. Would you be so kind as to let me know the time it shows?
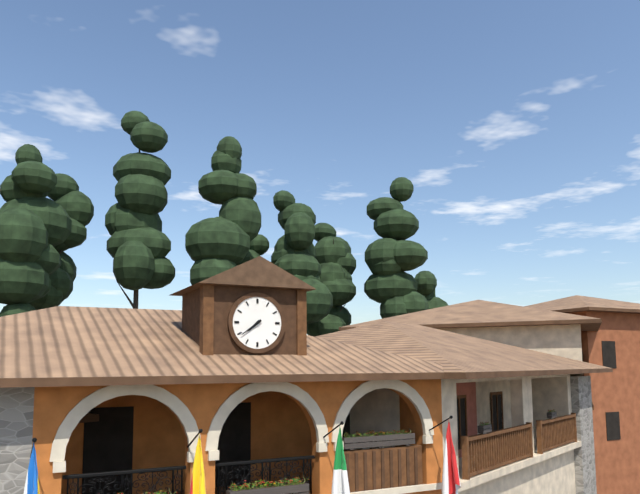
7:39
